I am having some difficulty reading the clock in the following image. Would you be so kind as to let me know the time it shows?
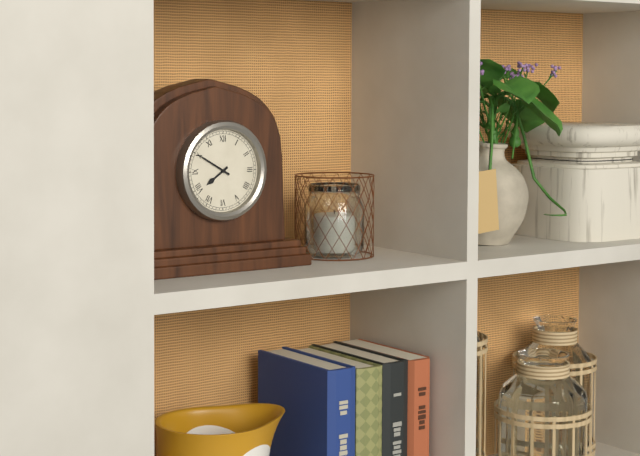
7:50
